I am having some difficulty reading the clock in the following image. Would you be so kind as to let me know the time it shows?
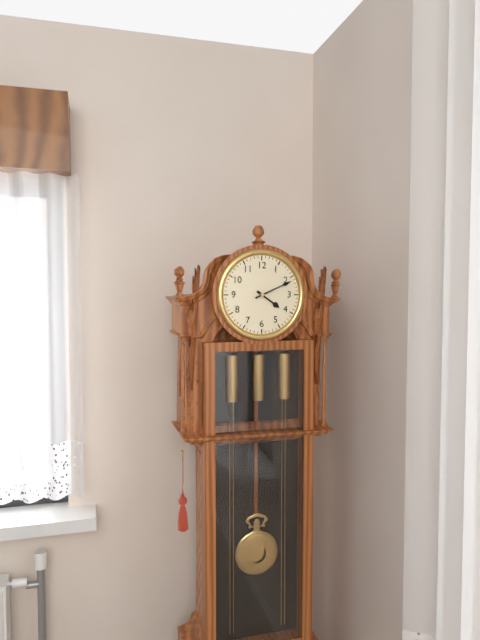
4:11
